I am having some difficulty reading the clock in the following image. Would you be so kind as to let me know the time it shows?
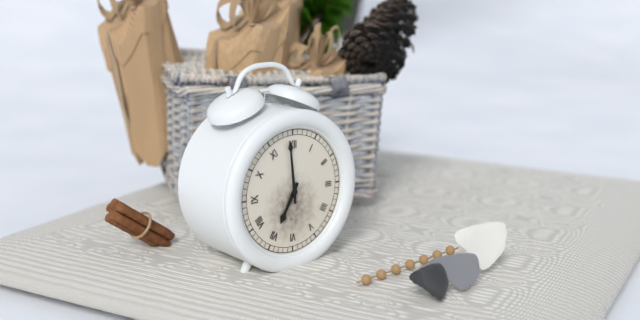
6:59
